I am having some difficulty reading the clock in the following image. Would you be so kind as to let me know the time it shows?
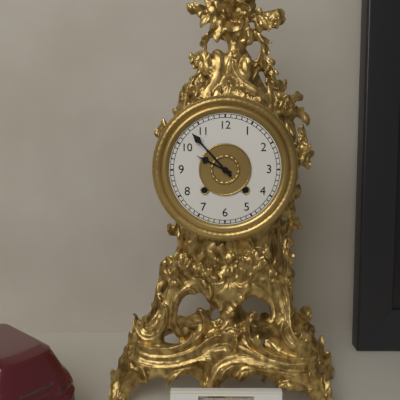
9:53
